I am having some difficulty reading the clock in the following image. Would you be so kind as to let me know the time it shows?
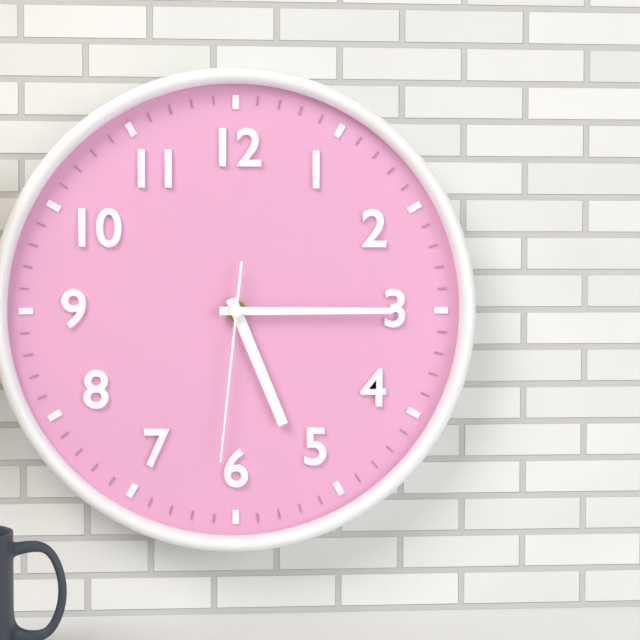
5:15:31
